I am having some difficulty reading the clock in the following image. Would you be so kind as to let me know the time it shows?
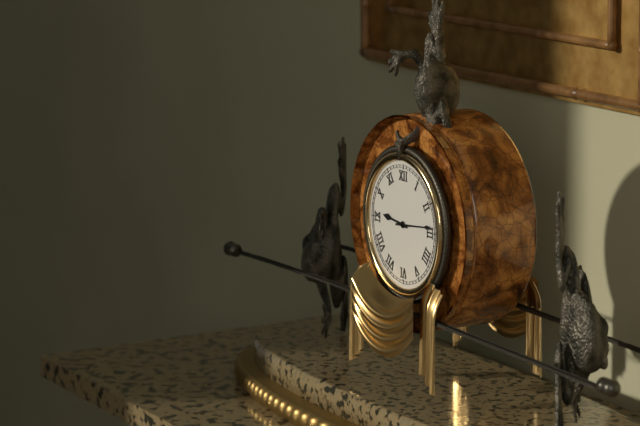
9:14
